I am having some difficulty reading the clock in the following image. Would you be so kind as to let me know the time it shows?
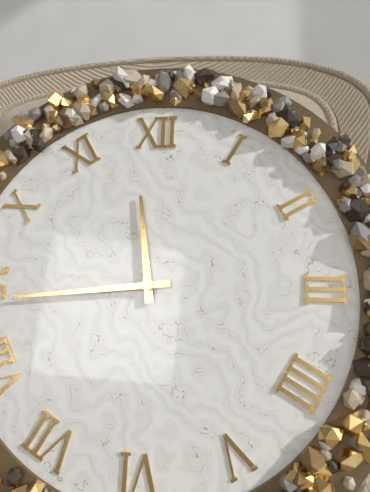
11:44
